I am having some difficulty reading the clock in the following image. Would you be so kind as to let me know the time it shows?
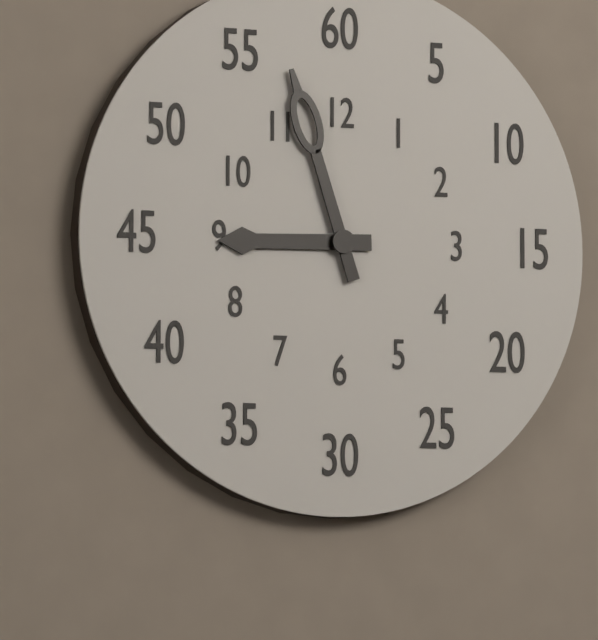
8:57
